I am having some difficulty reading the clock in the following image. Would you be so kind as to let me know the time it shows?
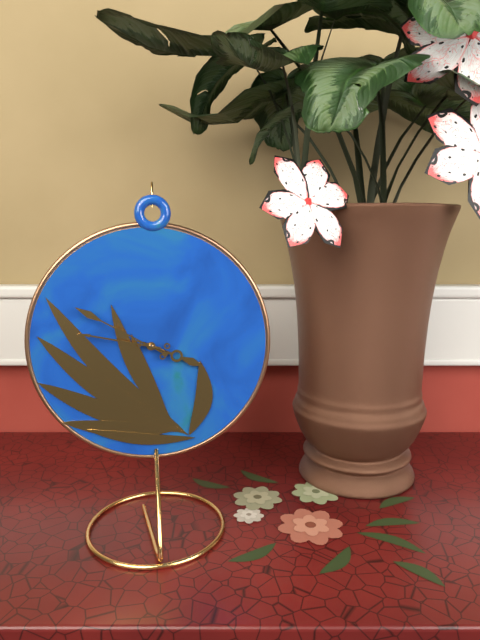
3:47:50
